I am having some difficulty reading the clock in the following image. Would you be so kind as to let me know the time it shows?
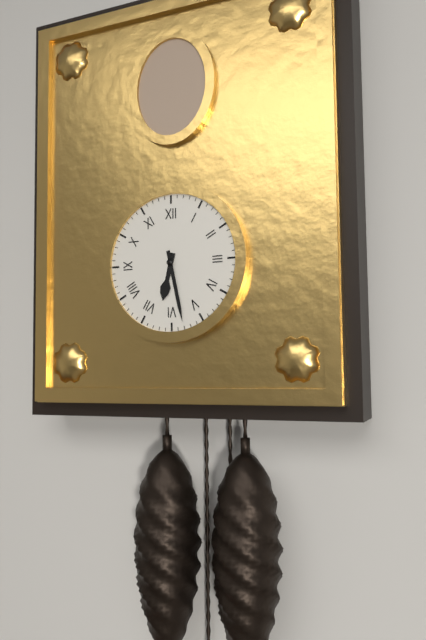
6:28
